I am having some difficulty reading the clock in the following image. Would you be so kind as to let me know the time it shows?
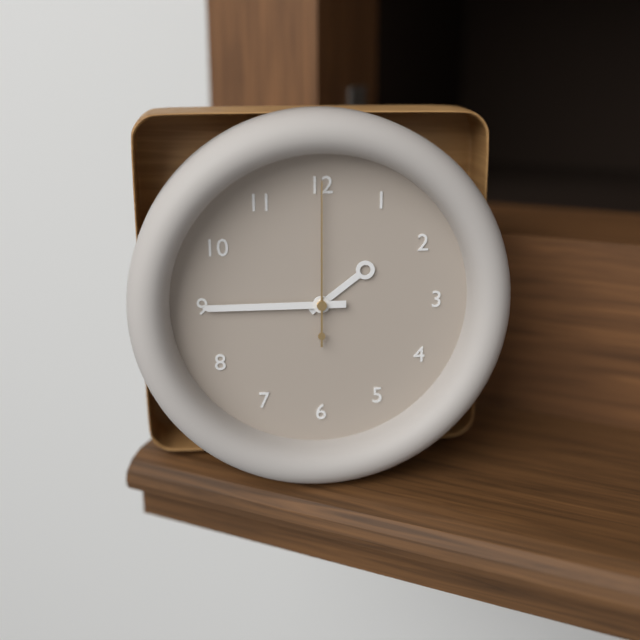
1:45:00
